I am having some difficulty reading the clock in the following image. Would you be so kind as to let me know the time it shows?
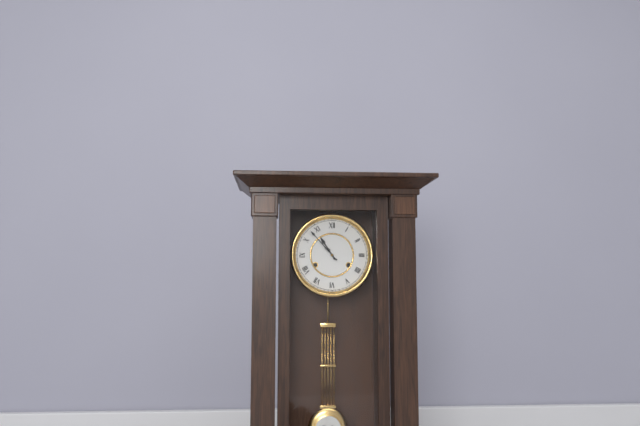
10:53
